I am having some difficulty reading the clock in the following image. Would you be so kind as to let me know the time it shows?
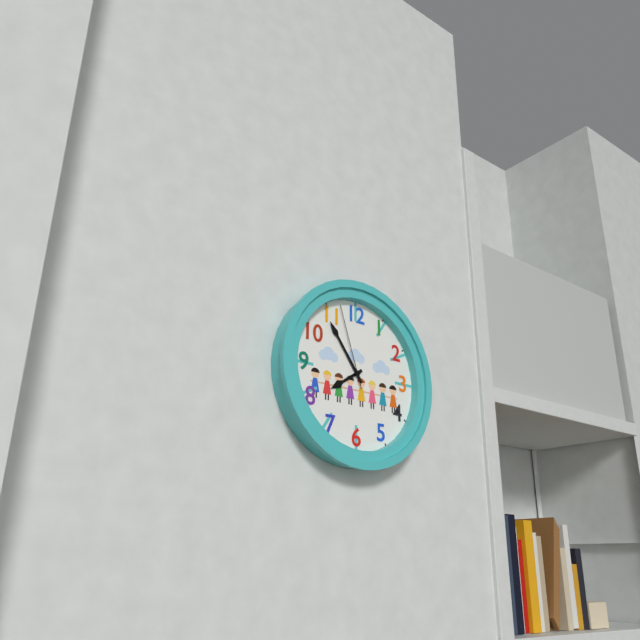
7:54:57
